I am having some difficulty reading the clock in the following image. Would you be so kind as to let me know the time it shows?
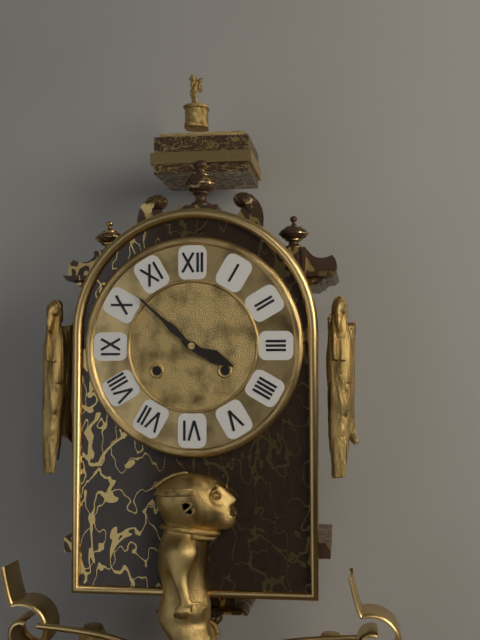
3:52
